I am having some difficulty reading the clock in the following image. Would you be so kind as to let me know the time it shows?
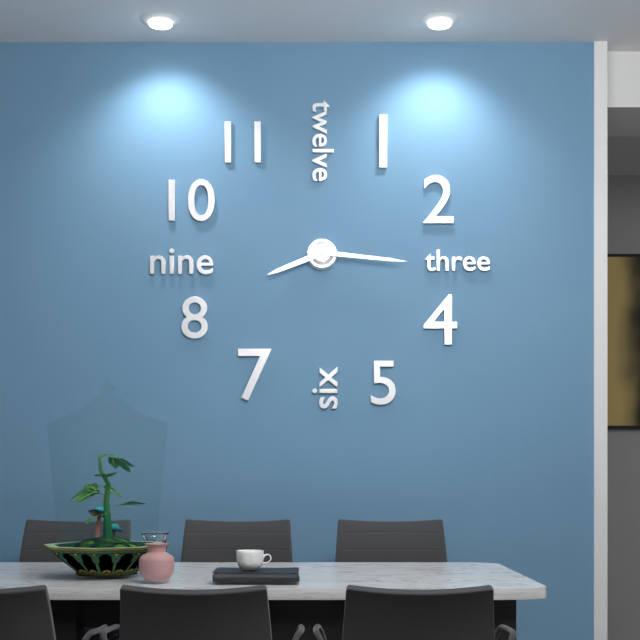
8:16
